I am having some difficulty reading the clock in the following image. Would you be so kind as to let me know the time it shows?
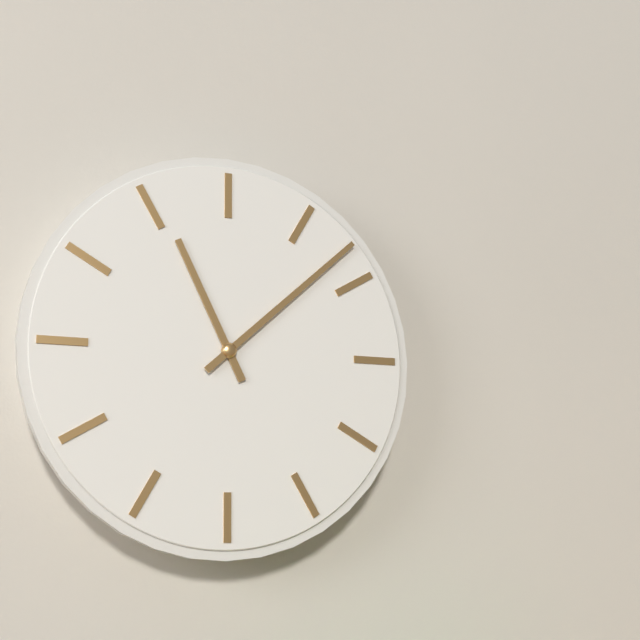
11:08
